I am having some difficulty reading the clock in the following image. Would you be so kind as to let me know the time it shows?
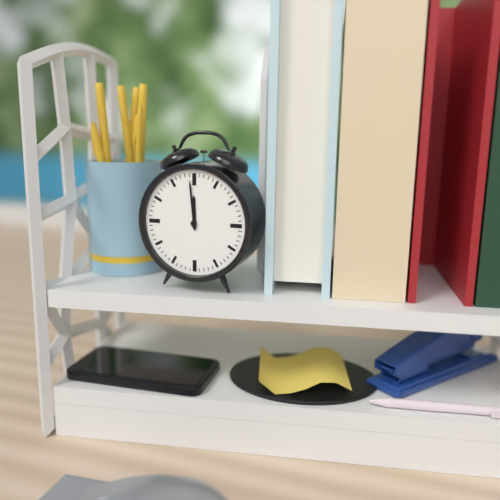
11:59
